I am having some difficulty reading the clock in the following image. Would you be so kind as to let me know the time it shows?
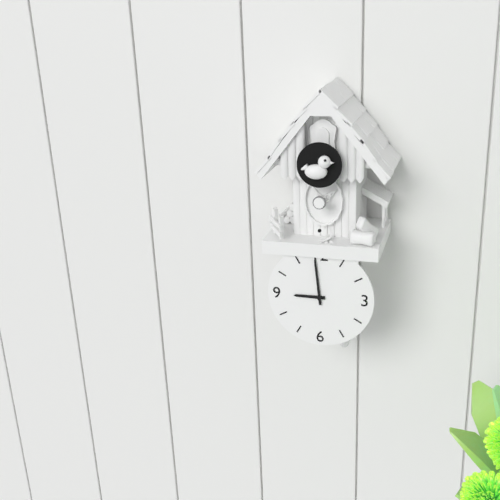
8:59
